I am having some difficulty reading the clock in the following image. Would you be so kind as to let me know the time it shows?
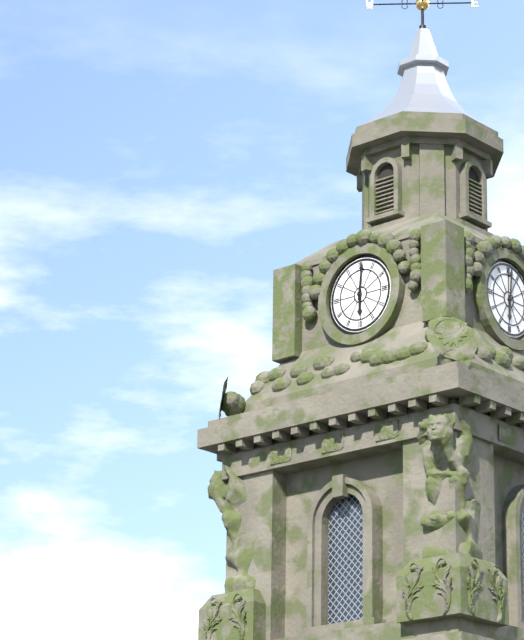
6:01
